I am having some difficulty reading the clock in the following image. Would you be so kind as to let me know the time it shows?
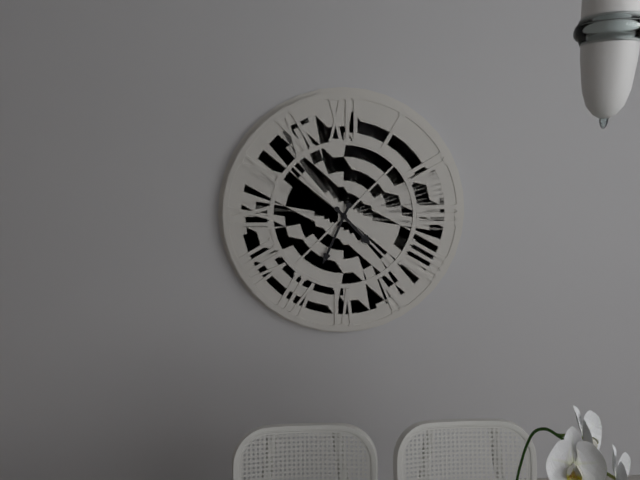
4:34
